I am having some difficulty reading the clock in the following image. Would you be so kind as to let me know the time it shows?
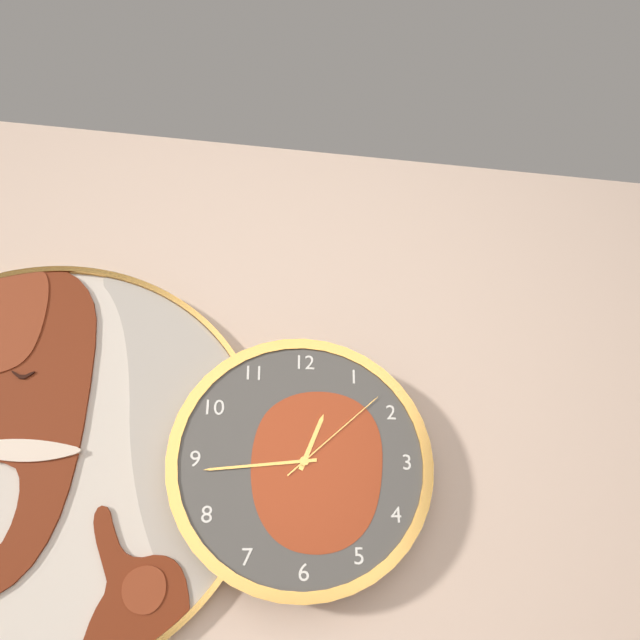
12:44:08
